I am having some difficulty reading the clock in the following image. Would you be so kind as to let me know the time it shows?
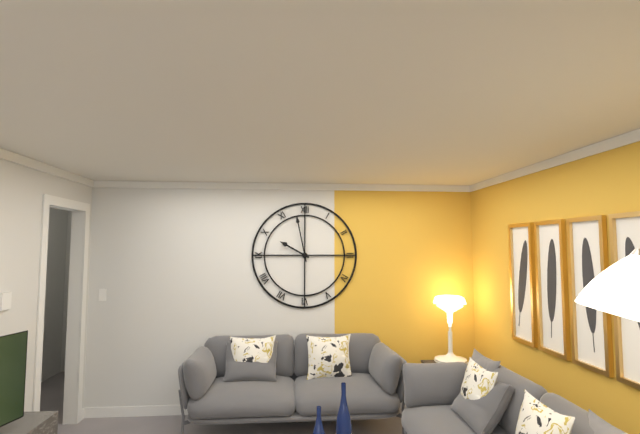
9:58
